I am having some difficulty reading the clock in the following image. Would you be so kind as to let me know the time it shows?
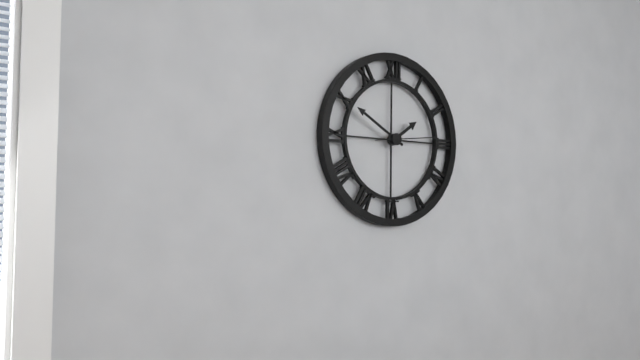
1:50:14
